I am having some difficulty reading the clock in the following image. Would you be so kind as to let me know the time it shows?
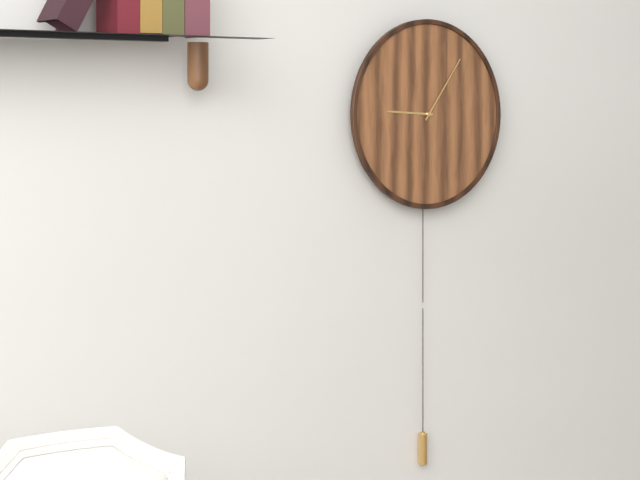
9:06
